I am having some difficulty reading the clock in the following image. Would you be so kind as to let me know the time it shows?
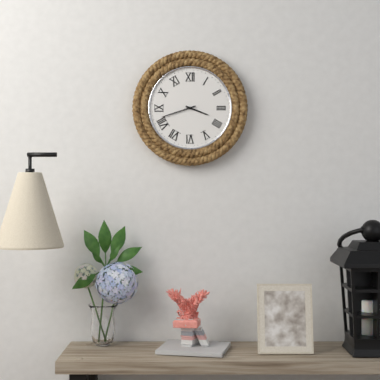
3:42
